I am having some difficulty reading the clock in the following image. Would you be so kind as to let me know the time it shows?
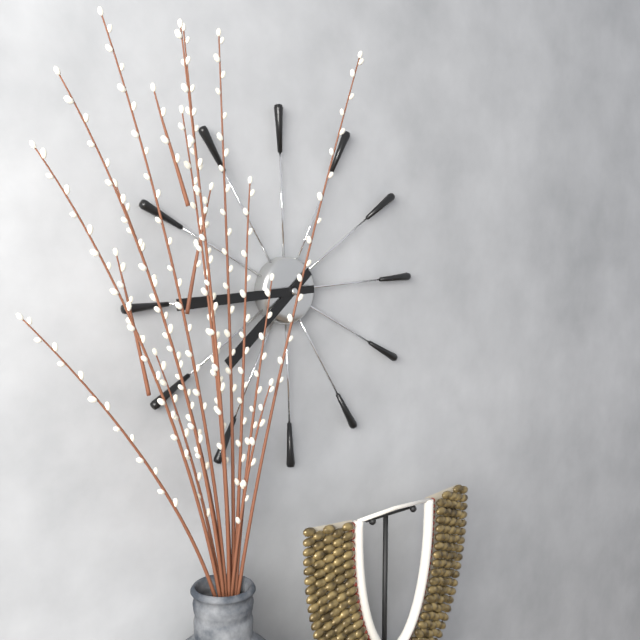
7:45
